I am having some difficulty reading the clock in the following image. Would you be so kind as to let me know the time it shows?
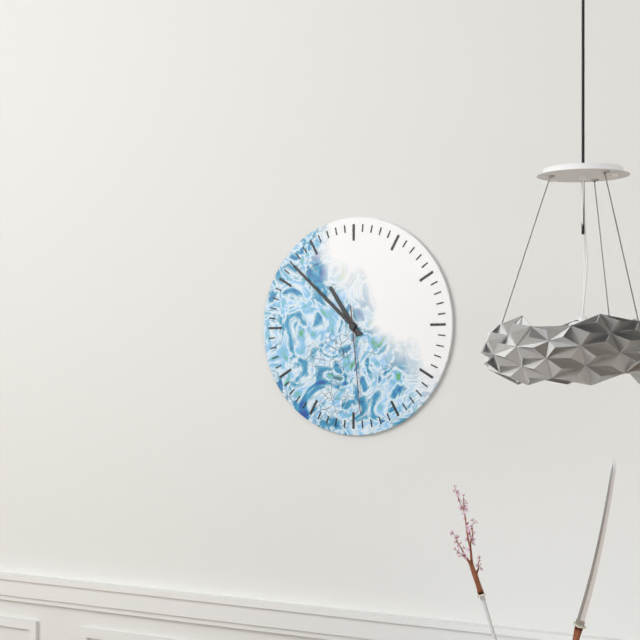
10:52:29
